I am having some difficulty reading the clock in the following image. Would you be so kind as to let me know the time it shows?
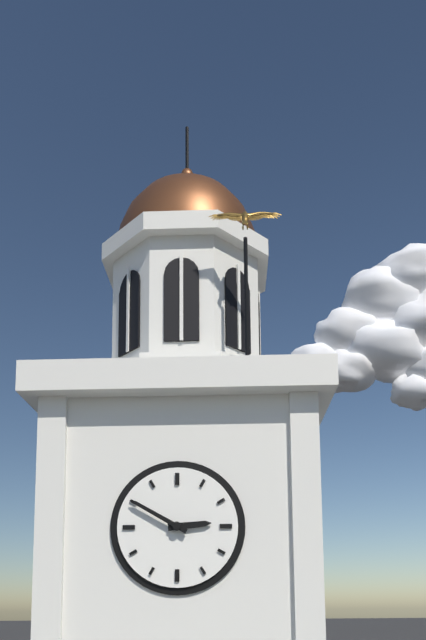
2:50
